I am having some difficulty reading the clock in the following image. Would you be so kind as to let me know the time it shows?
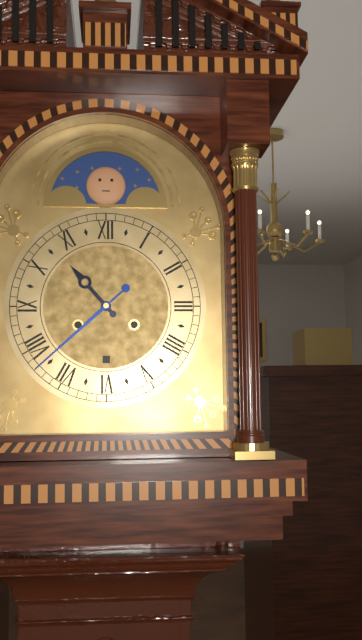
10:38
